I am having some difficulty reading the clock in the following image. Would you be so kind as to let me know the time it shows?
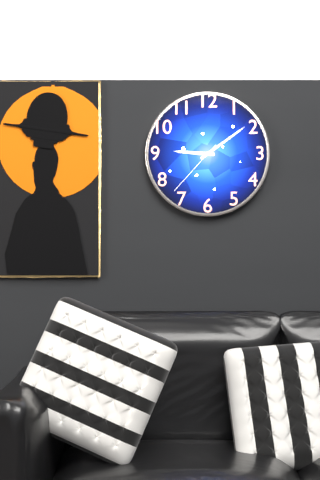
9:09:37
